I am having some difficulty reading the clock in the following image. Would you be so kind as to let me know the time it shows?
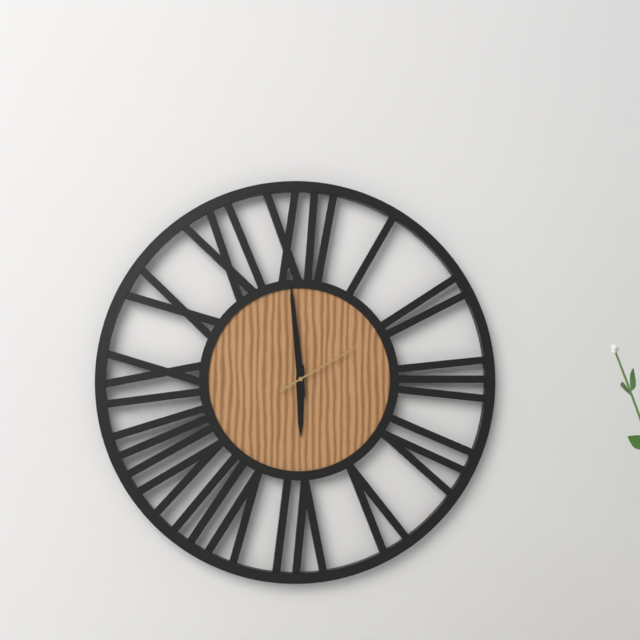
5:59:10
